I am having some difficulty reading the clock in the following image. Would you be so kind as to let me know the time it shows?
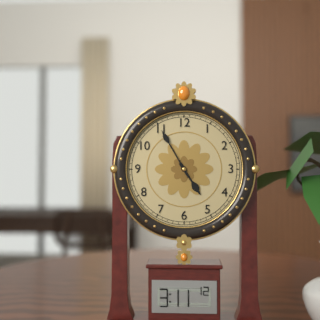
4:55
